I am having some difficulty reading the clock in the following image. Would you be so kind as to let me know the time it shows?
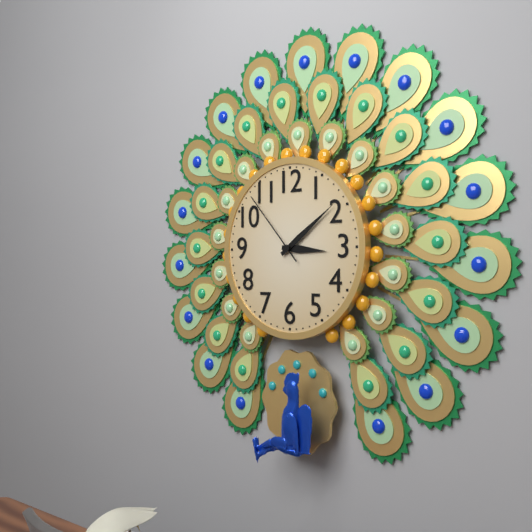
3:09:53
